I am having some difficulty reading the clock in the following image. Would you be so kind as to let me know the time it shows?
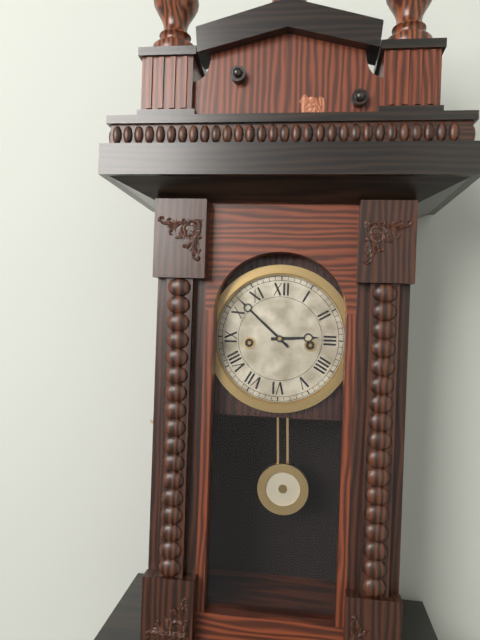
2:52
